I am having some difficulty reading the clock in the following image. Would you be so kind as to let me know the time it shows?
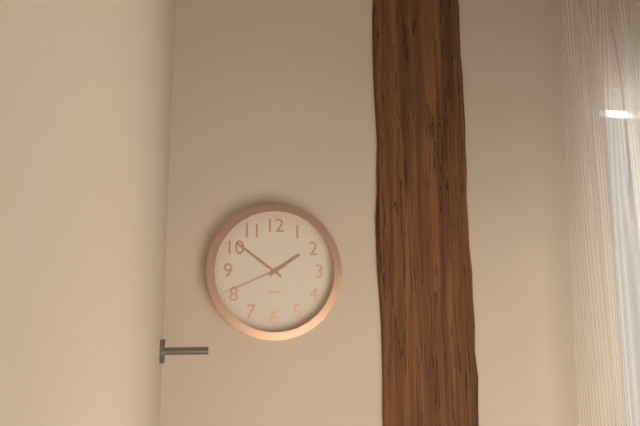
1:51:41
